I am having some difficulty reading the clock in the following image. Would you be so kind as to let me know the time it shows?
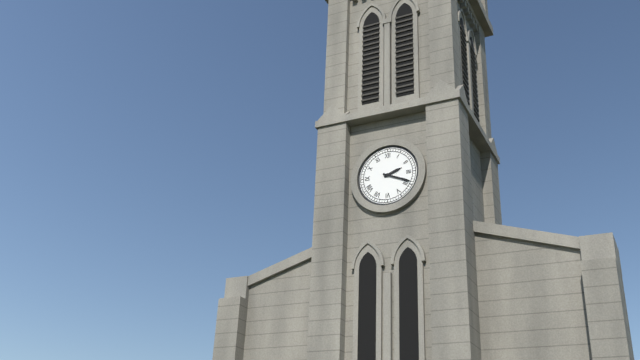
2:19
